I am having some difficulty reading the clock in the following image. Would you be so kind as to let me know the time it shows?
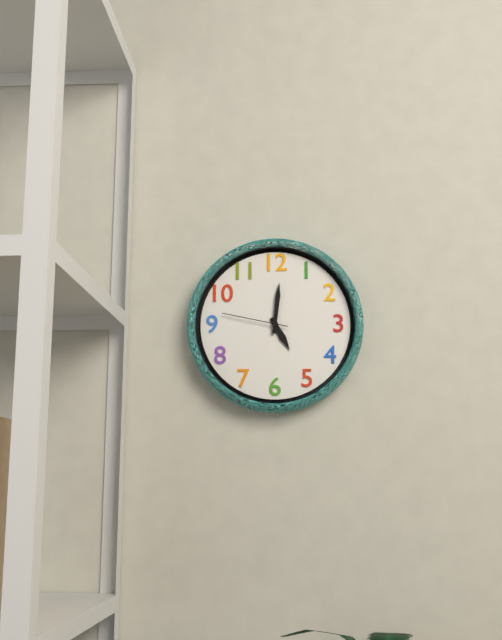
5:01:47
